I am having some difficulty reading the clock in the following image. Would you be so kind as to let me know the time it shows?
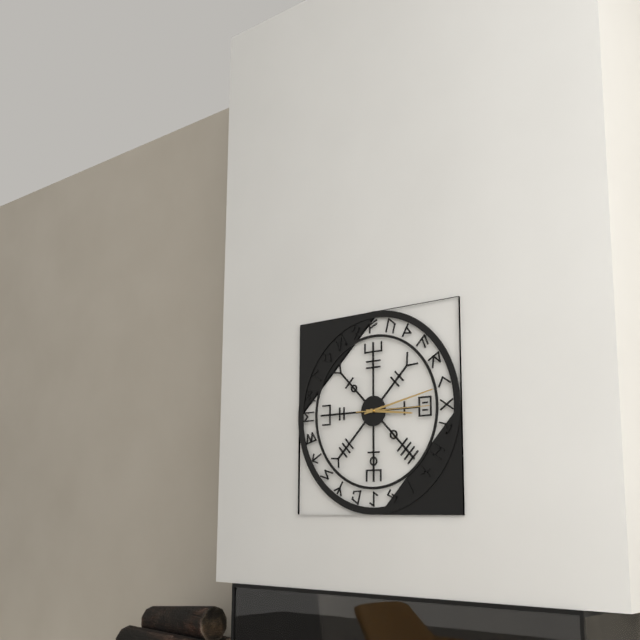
3:13:15
